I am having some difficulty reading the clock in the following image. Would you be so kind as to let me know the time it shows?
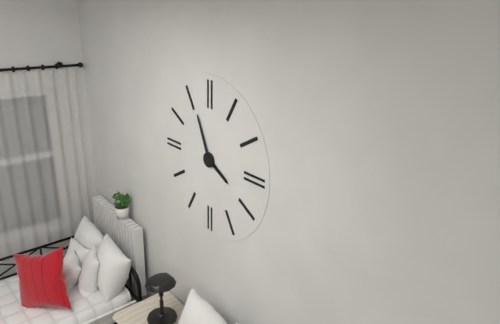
3:56
